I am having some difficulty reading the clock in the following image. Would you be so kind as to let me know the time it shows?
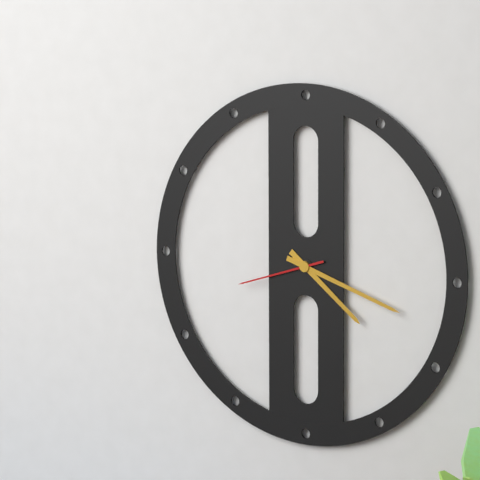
4:18:42
